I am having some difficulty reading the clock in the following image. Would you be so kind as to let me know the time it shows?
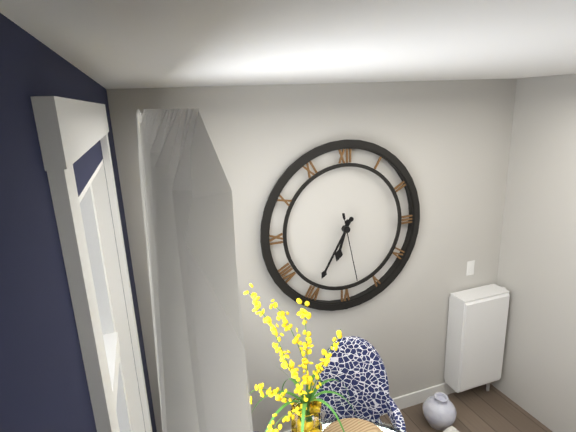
6:35:28
